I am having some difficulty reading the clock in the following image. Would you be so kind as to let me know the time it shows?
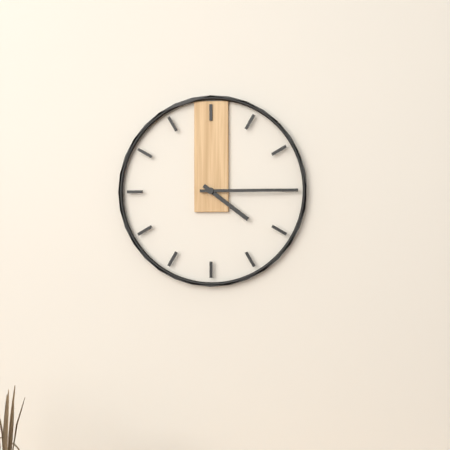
4:15
